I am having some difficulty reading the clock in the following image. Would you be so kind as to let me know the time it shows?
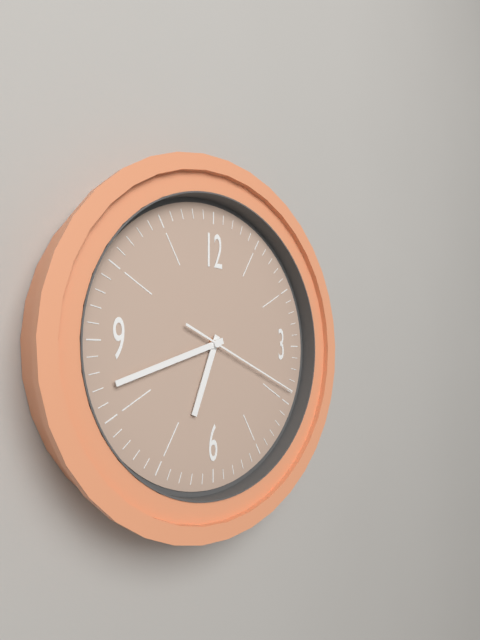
6:42:19
